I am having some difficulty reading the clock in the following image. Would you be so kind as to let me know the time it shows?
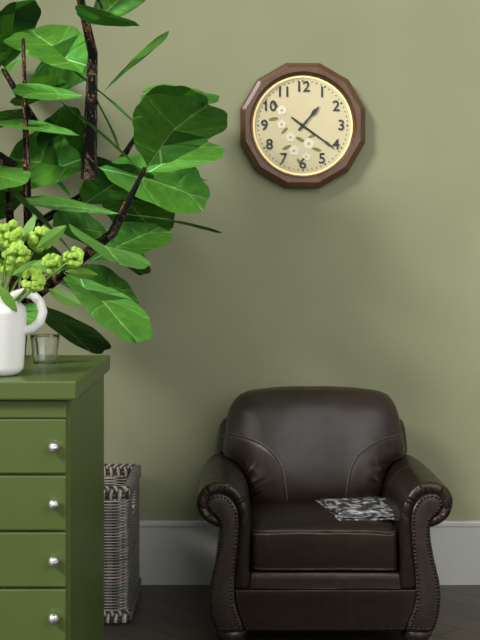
1:21
